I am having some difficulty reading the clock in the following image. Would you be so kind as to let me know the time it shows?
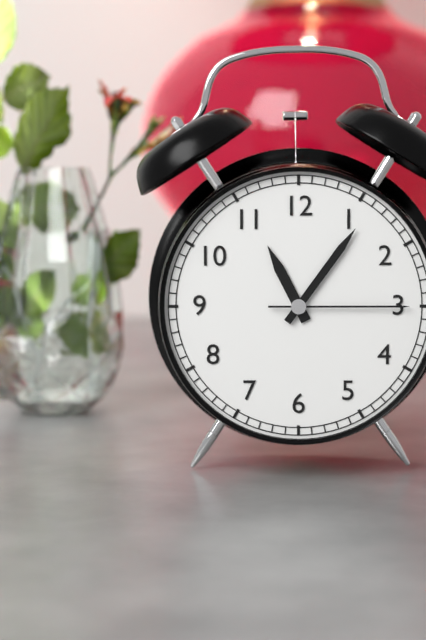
11:06:15
